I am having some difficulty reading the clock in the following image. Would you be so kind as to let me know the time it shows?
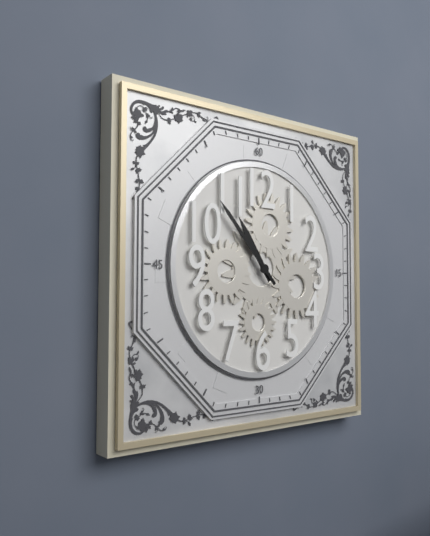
10:53
